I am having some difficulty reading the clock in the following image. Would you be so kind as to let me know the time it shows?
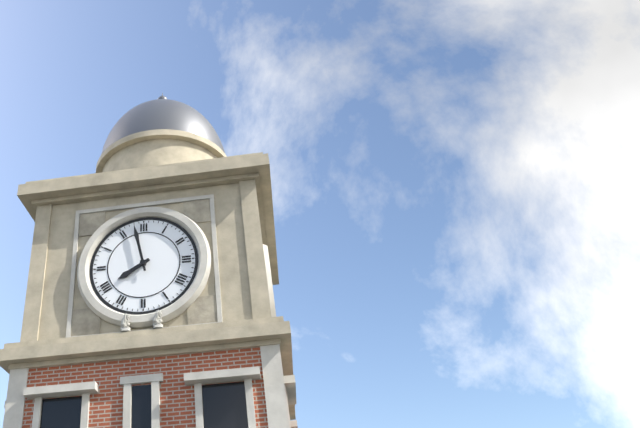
7:58
